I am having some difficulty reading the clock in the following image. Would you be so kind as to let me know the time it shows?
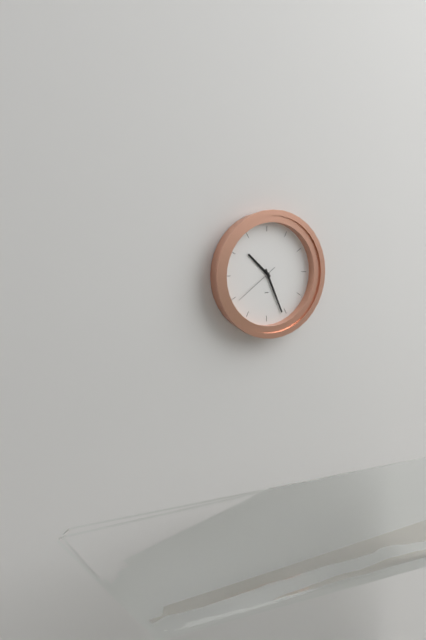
10:26
